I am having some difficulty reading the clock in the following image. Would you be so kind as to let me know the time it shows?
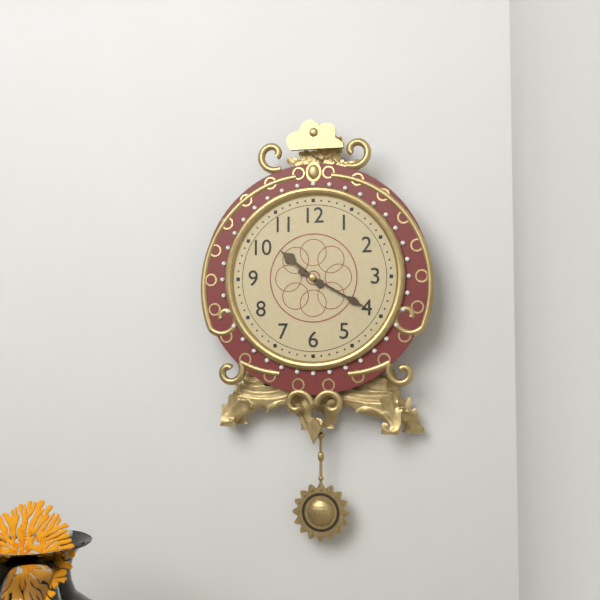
10:20
